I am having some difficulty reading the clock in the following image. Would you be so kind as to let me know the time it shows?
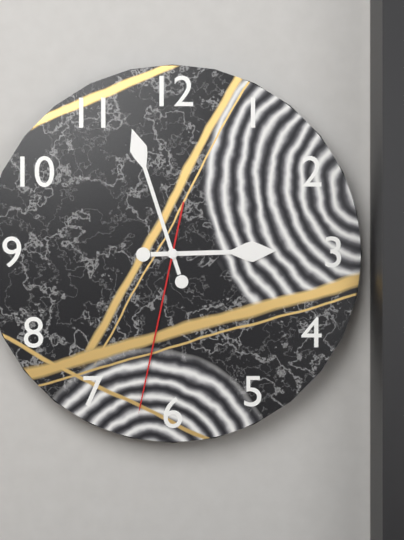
2:57:32
